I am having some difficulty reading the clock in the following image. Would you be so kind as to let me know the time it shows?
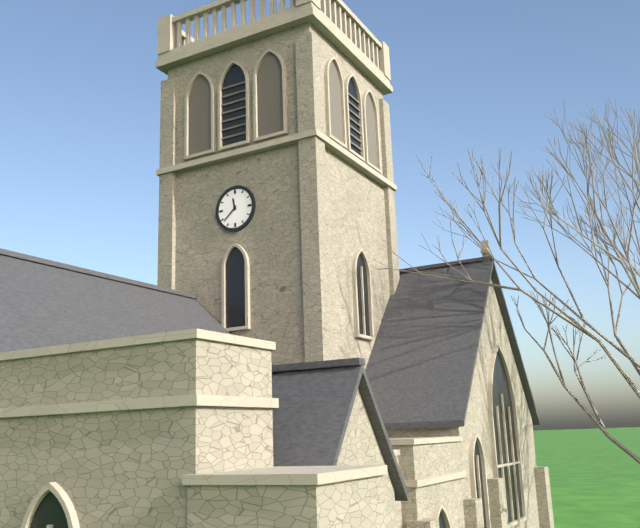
11:38
